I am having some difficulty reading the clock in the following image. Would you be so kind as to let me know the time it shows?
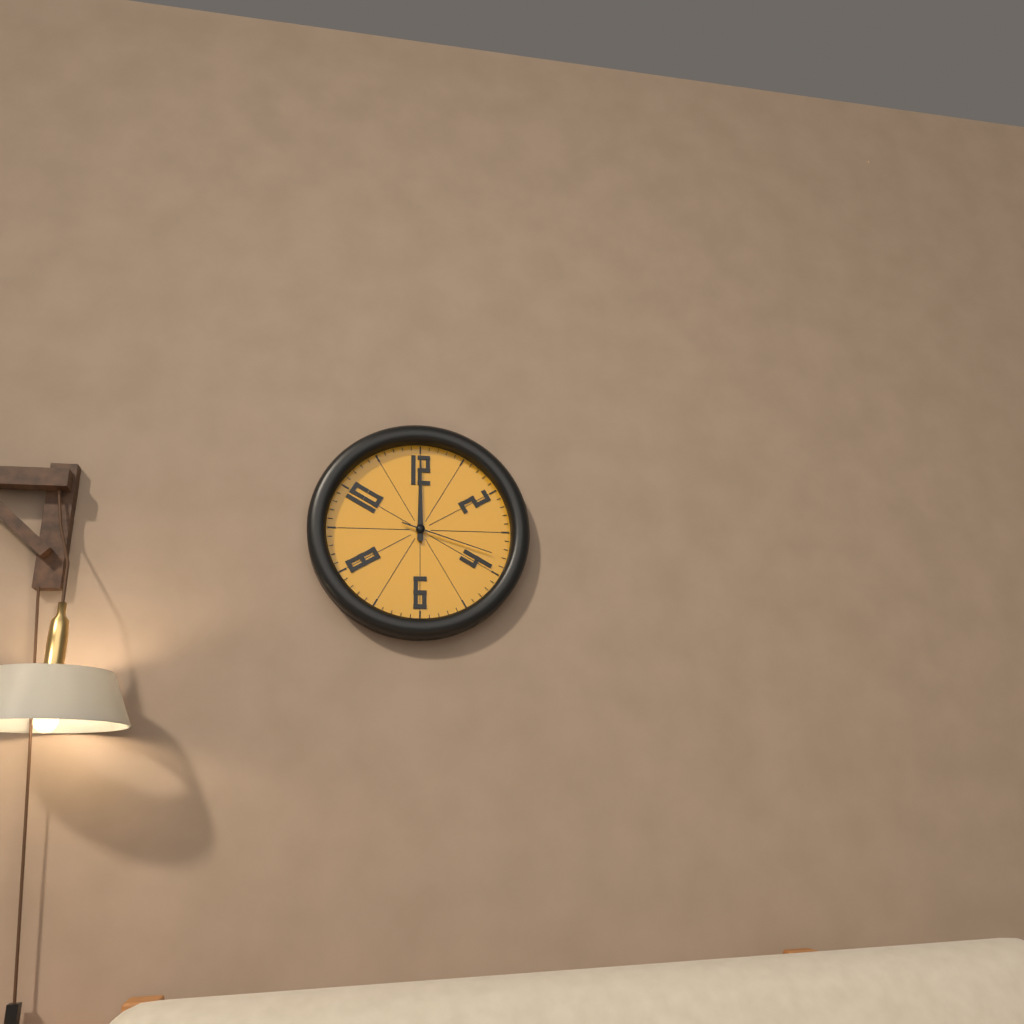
12:00:18
